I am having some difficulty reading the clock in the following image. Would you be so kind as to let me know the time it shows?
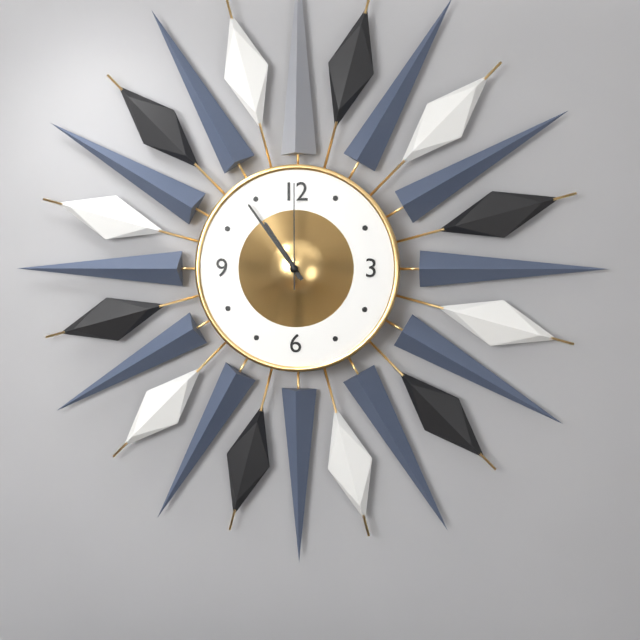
10:54:00
